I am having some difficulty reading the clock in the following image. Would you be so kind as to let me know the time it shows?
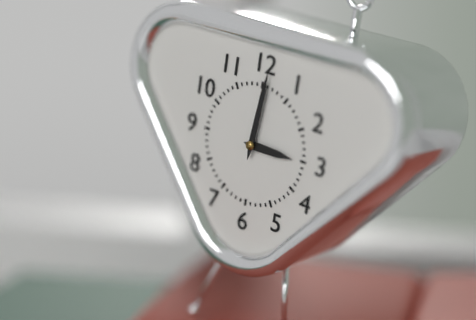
3:01
